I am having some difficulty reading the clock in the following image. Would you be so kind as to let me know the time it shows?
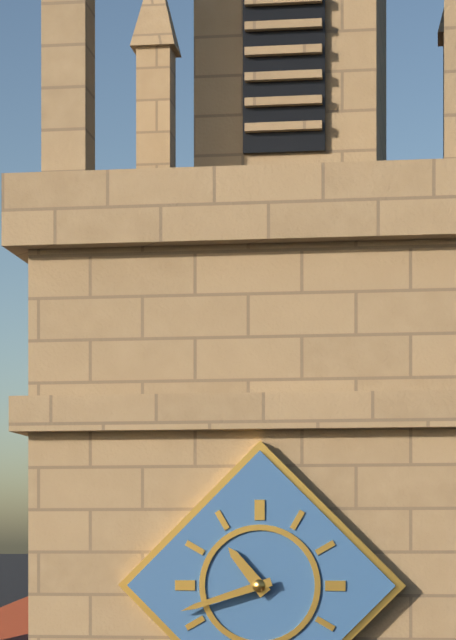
10:42
